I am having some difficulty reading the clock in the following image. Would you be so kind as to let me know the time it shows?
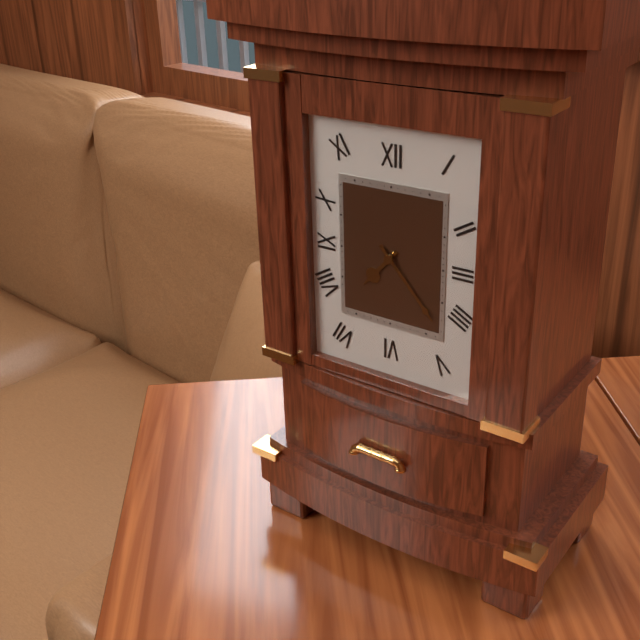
7:23
